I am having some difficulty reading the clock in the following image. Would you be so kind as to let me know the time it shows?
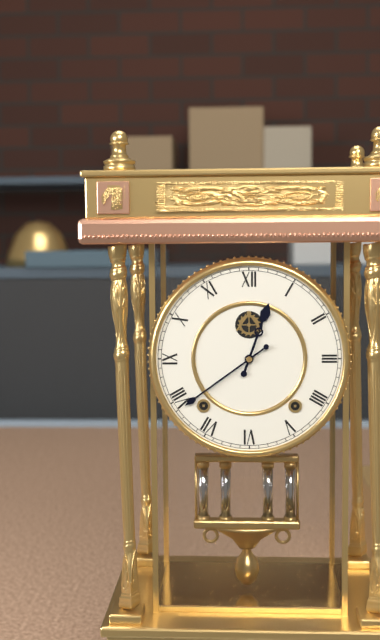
12:39
